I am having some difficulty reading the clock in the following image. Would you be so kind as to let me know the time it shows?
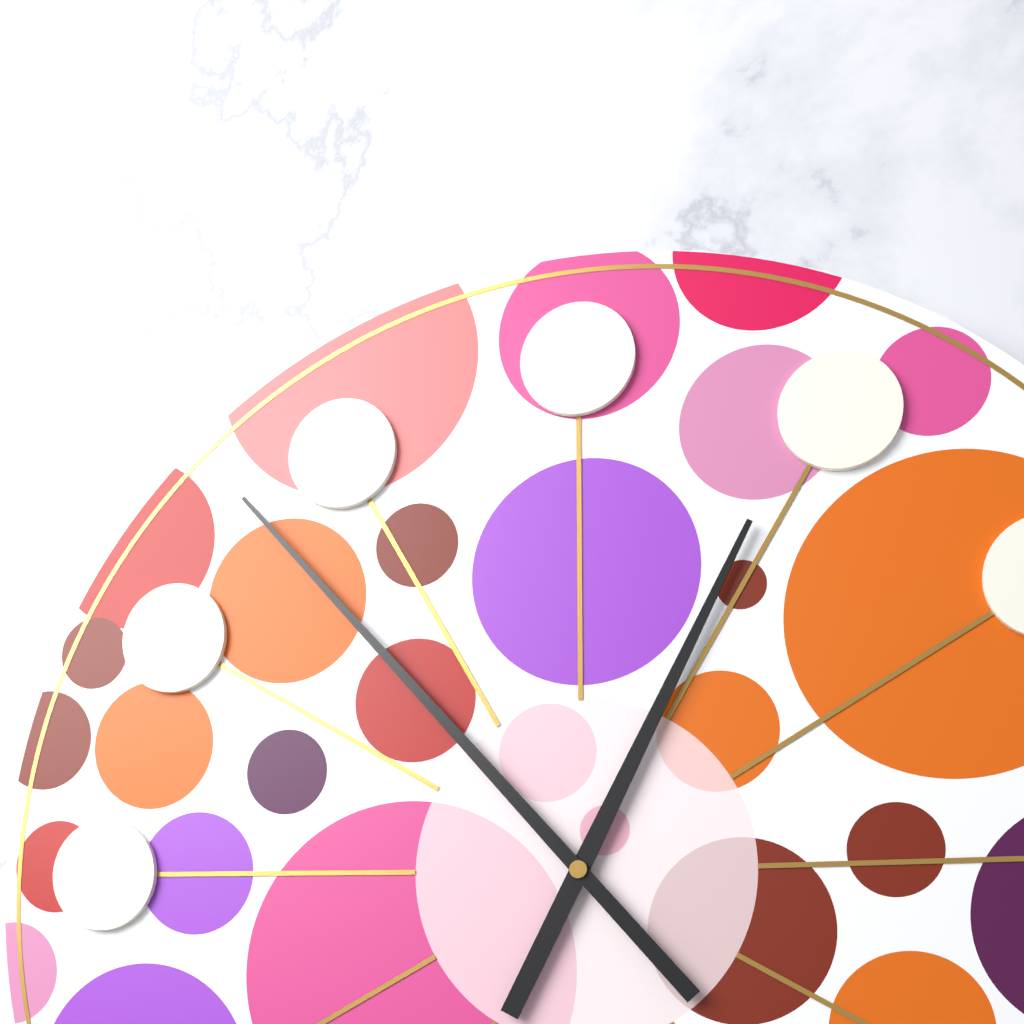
12:53
